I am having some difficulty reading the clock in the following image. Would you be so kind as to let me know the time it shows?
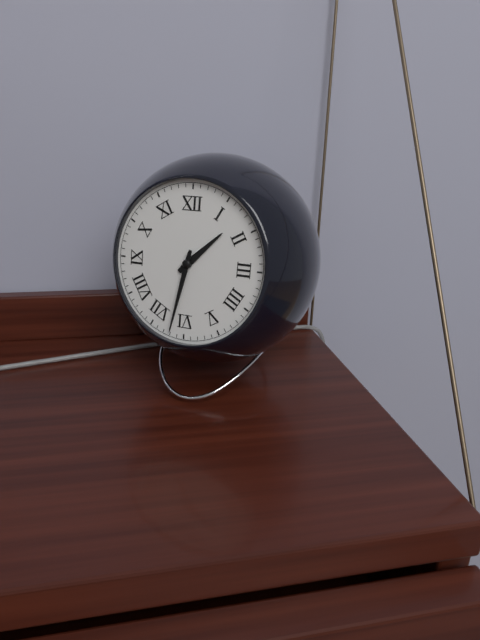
1:32
